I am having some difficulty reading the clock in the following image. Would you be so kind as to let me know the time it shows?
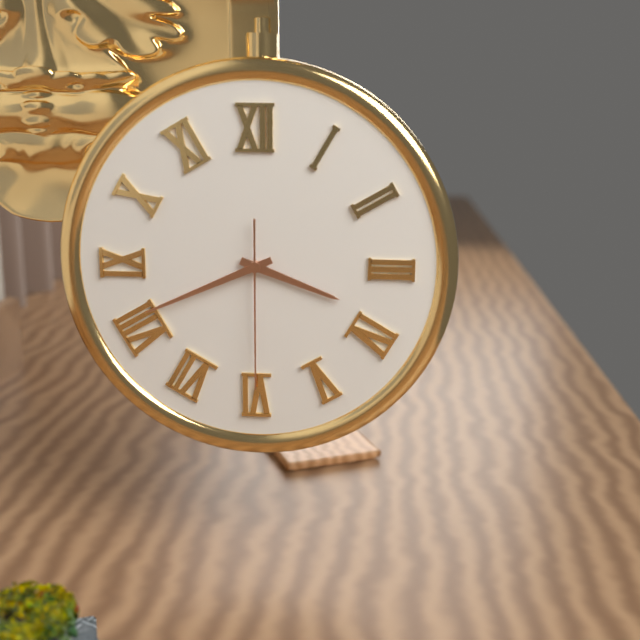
3:41:30
